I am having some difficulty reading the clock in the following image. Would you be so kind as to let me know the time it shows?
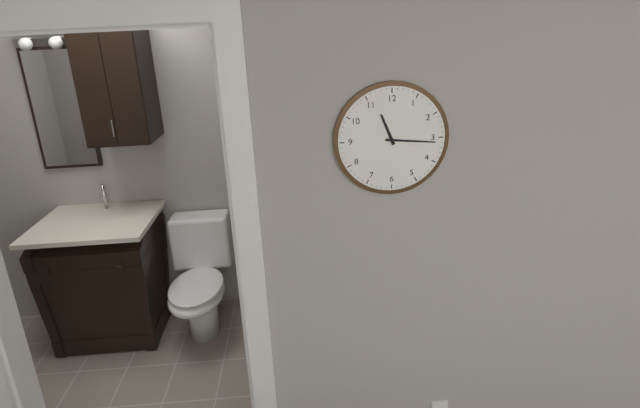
11:16
